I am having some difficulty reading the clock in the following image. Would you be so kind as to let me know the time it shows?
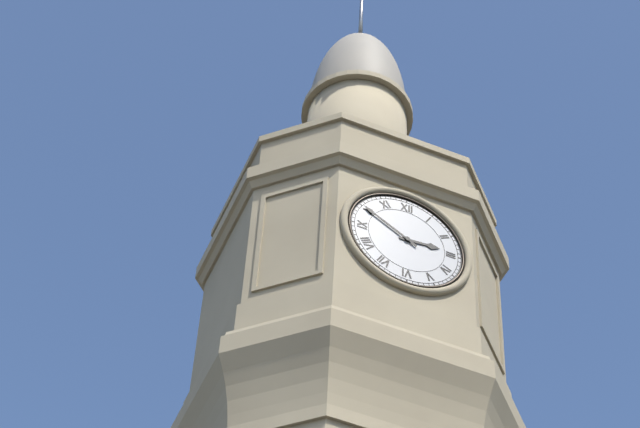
2:50
